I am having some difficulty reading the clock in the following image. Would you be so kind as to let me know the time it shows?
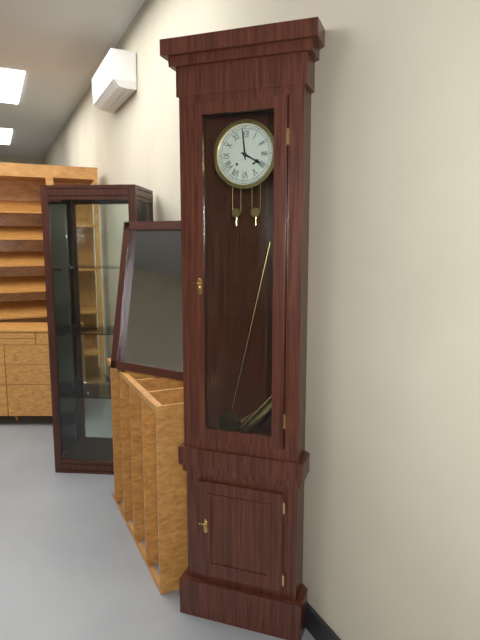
3:59
